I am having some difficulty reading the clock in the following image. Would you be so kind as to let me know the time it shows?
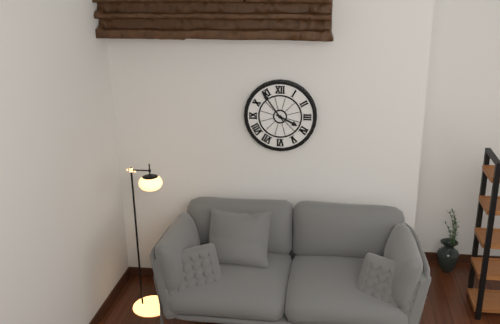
3:54
